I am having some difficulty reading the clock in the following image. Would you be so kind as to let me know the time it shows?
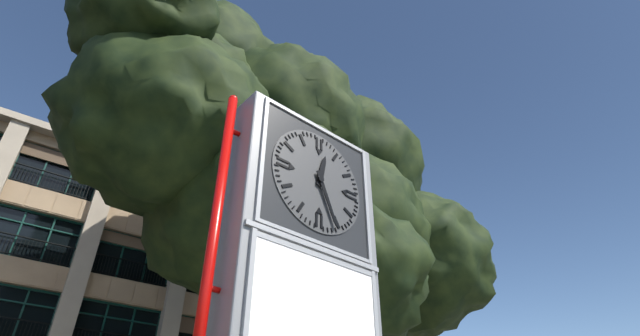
12:26
